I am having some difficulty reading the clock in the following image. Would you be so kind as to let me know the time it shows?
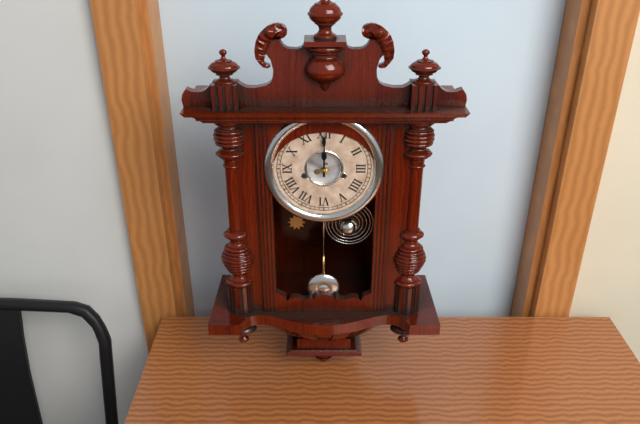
12:00
